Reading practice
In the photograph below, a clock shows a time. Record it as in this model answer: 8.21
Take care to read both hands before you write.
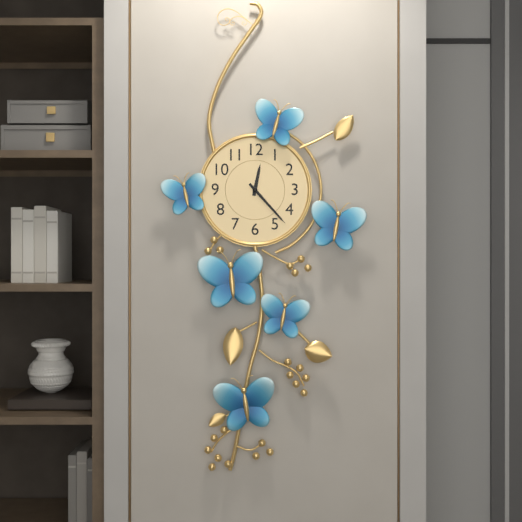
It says 12.23
